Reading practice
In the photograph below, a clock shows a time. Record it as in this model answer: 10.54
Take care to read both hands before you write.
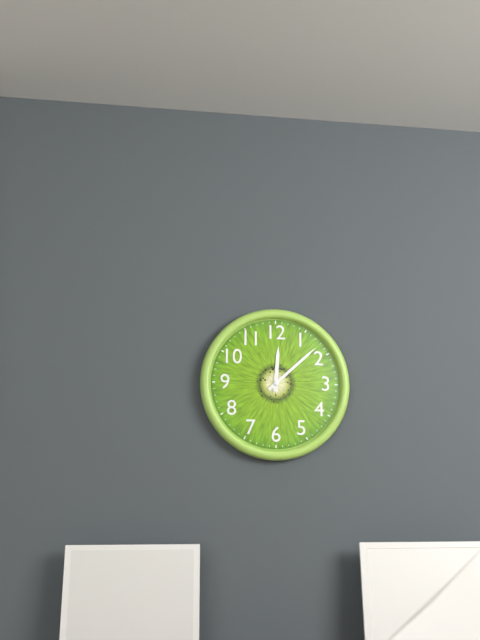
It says 12.08
